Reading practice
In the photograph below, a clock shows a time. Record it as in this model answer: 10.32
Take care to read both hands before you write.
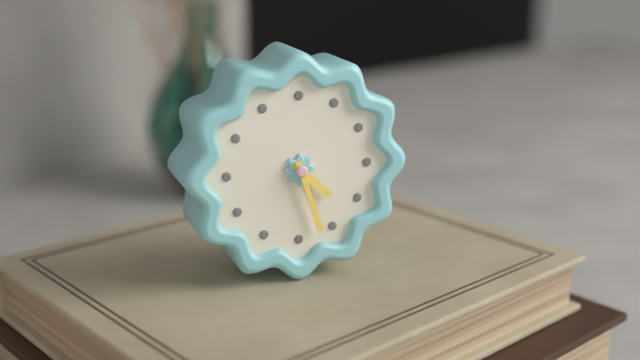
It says 4.27
